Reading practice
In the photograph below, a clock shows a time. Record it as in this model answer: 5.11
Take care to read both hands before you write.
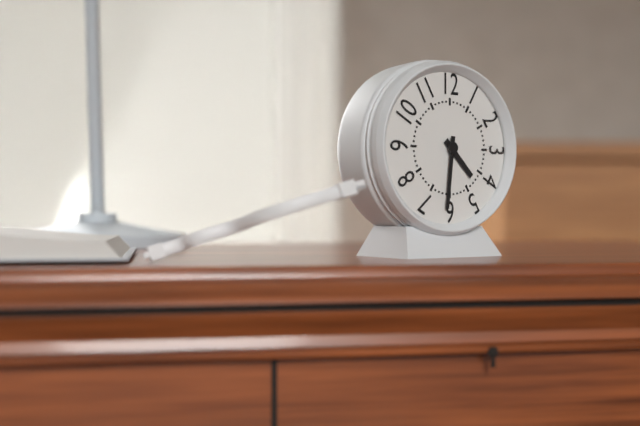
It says 4.31
